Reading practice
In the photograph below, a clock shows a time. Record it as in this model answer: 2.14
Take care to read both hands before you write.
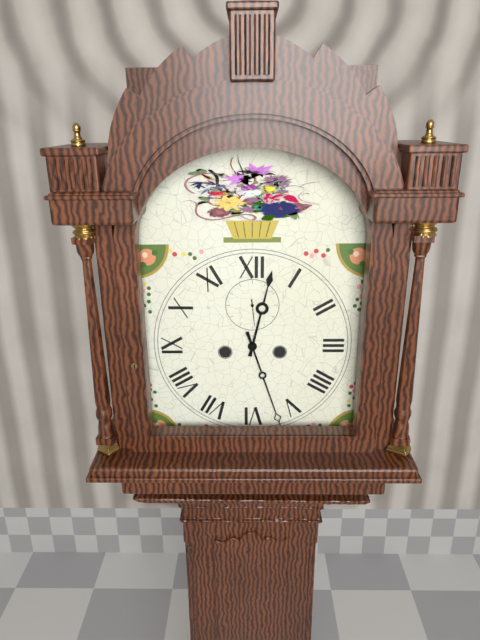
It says 12.27
